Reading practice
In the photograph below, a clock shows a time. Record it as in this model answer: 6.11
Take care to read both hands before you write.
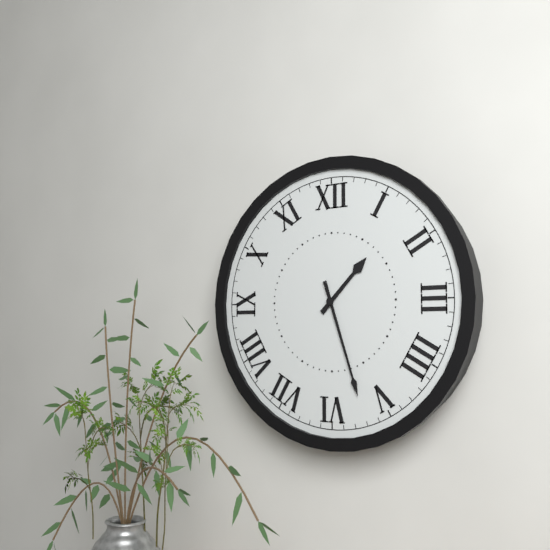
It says 1.27
